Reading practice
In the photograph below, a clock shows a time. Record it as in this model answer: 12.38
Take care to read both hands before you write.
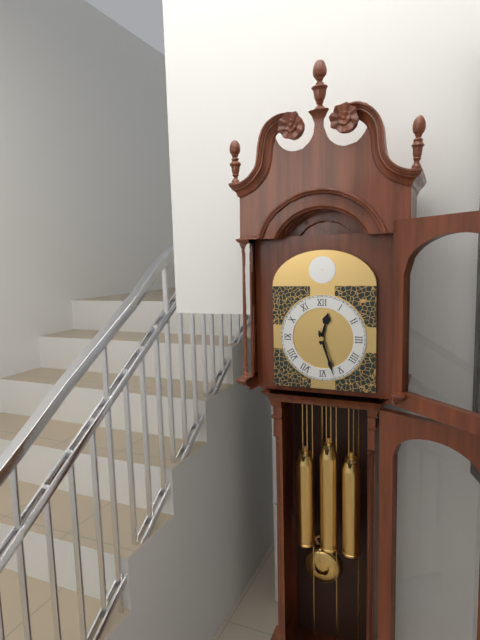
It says 12.27
